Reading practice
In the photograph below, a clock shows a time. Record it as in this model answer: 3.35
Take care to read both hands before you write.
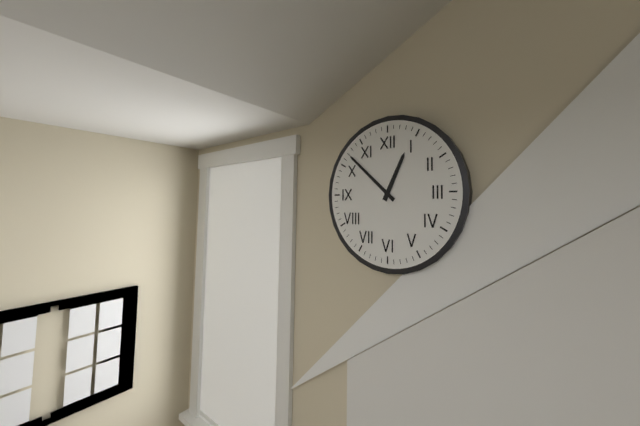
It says 12.52
